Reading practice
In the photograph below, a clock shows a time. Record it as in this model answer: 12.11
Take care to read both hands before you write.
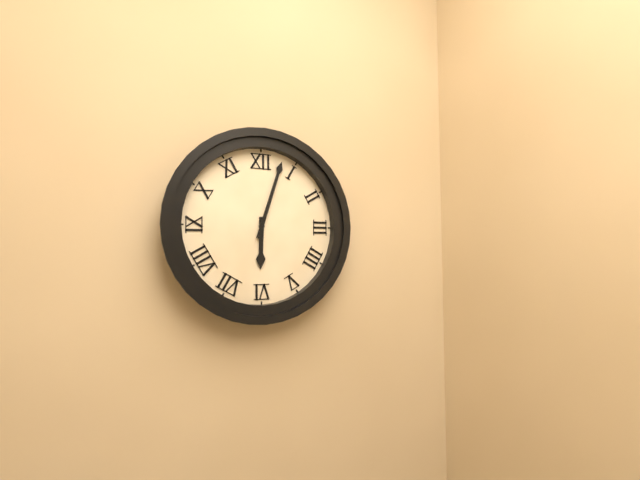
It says 6.03
